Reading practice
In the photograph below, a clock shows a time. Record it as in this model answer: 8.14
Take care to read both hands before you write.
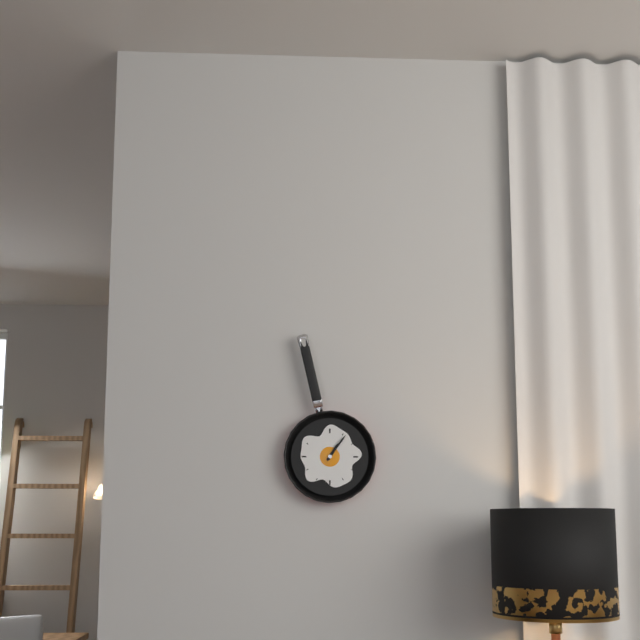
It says 1.06
